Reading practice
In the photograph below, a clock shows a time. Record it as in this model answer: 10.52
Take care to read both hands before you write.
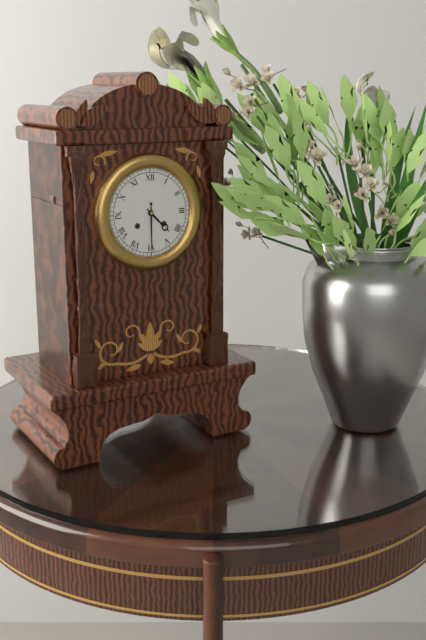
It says 4.30
